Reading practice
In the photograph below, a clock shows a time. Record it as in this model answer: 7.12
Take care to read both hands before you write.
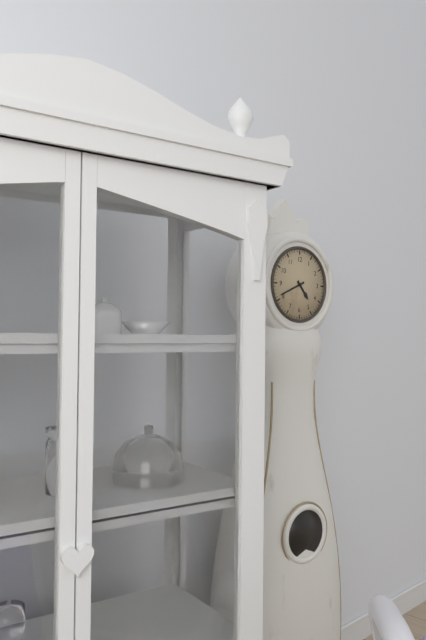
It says 4.41
